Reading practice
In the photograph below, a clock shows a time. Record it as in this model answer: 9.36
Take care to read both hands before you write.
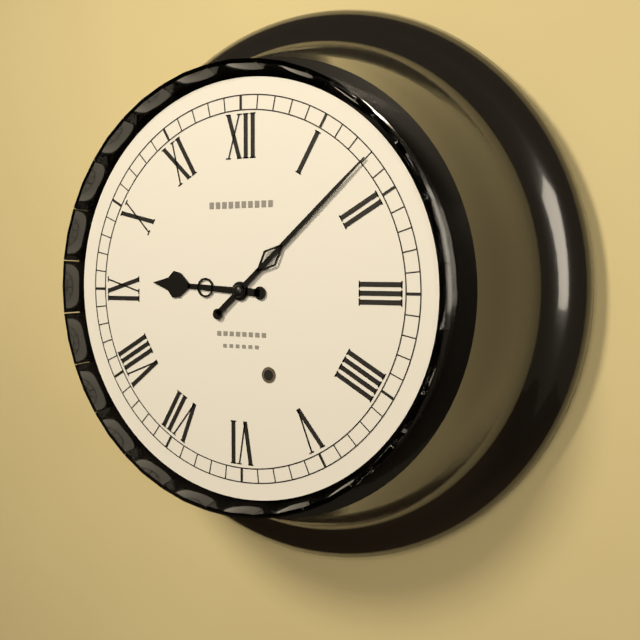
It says 9.08
